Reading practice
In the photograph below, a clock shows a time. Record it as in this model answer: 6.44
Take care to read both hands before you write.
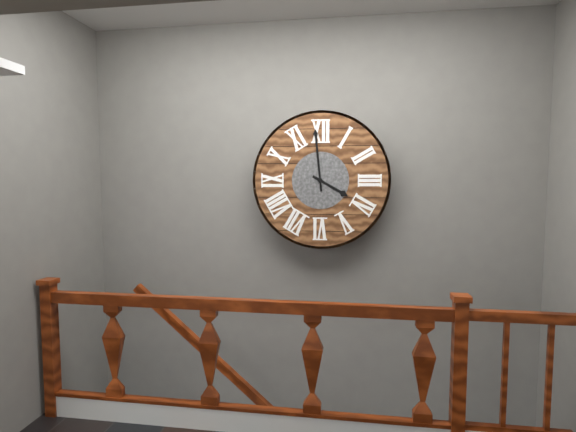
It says 3.59
